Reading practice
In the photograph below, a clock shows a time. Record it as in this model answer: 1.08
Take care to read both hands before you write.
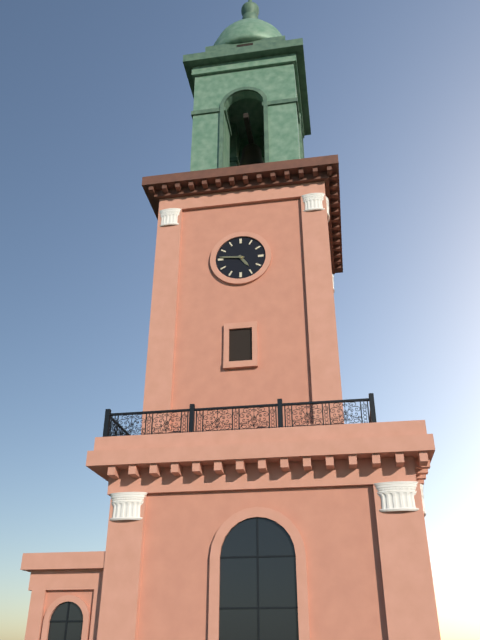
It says 4.46
